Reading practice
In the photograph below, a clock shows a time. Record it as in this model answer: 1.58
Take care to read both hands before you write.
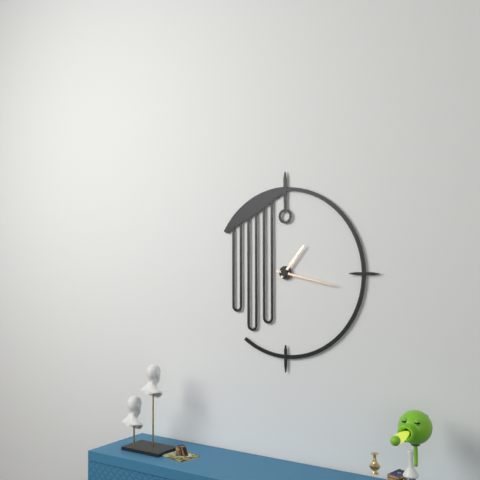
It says 1.17
